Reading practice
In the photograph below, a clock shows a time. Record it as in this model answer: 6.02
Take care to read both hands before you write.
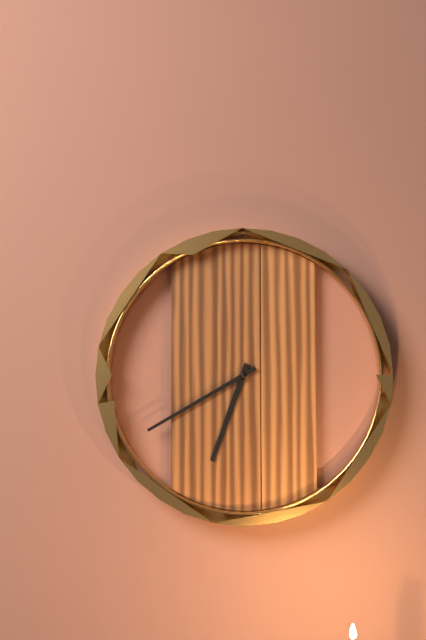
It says 6.40
